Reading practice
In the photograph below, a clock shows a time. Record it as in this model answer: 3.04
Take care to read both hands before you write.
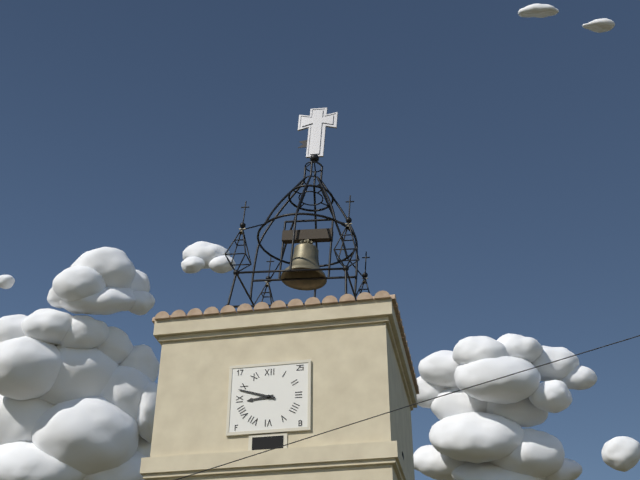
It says 8.48
